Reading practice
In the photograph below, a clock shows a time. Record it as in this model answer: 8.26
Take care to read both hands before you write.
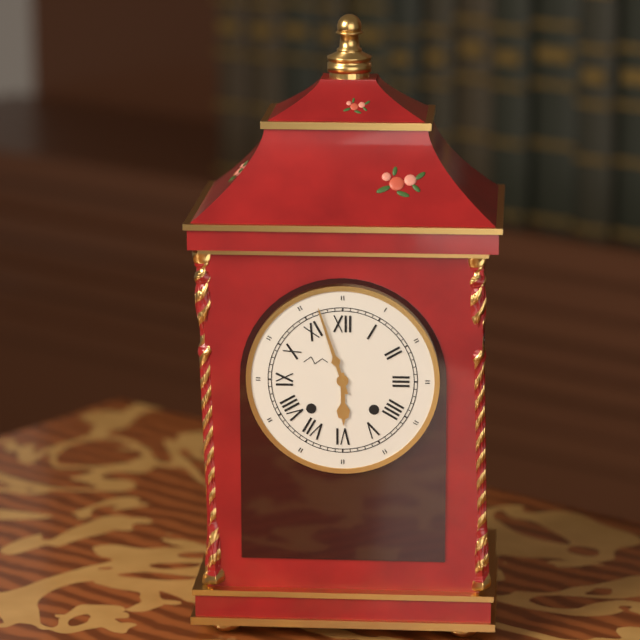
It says 5.57
